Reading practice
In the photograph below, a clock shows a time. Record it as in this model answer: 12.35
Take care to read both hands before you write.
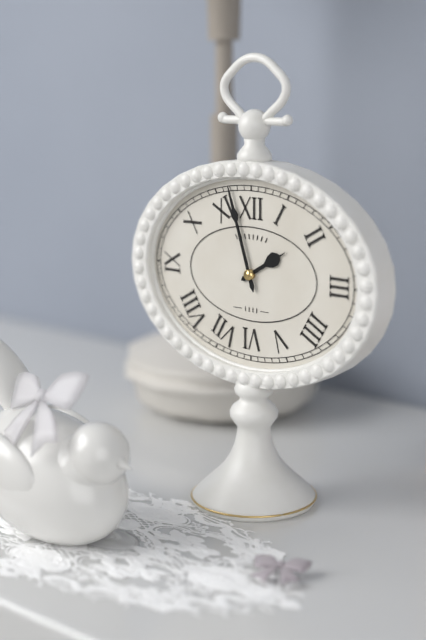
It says 1.57
